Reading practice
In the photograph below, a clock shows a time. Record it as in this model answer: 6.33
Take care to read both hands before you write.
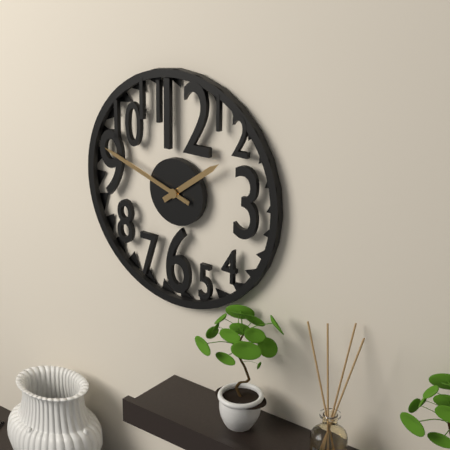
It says 1.48
